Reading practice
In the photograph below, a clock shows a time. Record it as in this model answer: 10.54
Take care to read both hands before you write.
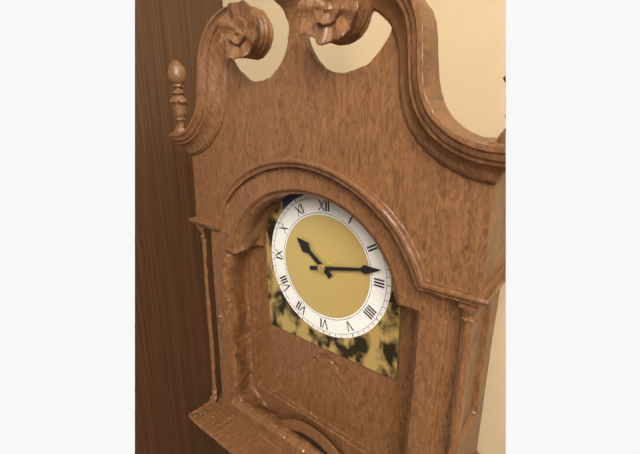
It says 10.13
